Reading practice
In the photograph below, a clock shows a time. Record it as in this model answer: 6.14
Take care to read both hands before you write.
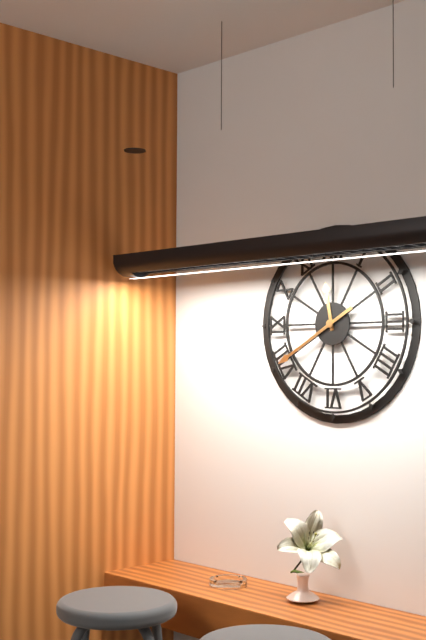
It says 11.40
